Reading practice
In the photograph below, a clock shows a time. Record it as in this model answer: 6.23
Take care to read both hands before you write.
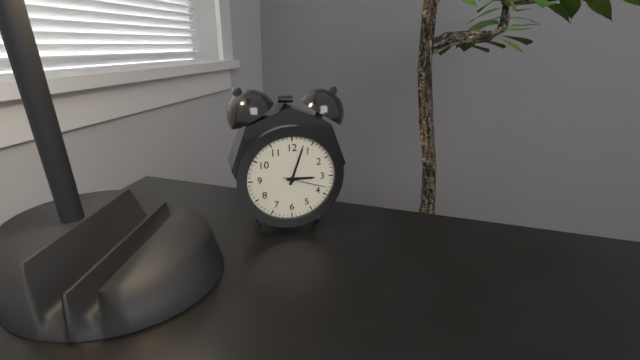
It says 3.03
